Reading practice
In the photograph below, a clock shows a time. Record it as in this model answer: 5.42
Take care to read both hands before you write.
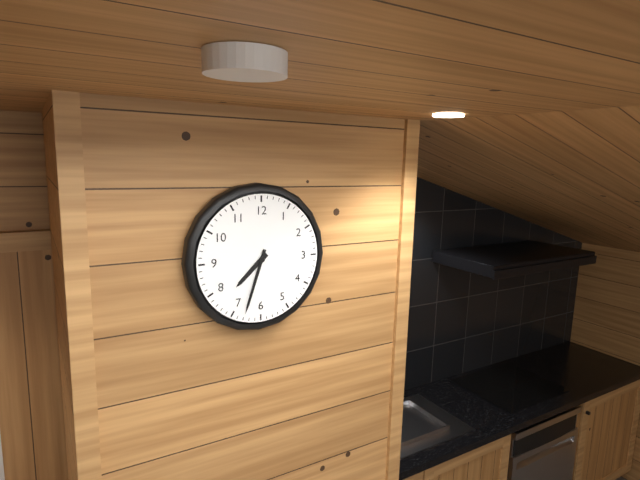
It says 7.33
